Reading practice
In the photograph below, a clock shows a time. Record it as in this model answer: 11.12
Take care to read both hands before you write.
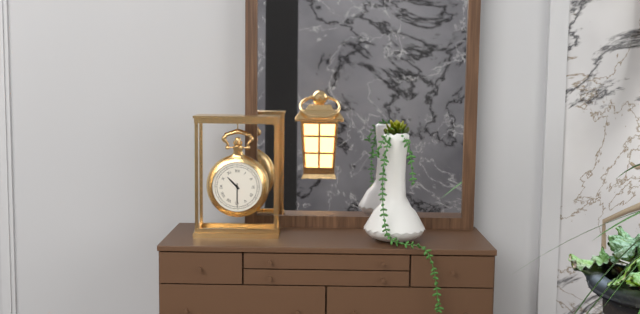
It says 10.30
